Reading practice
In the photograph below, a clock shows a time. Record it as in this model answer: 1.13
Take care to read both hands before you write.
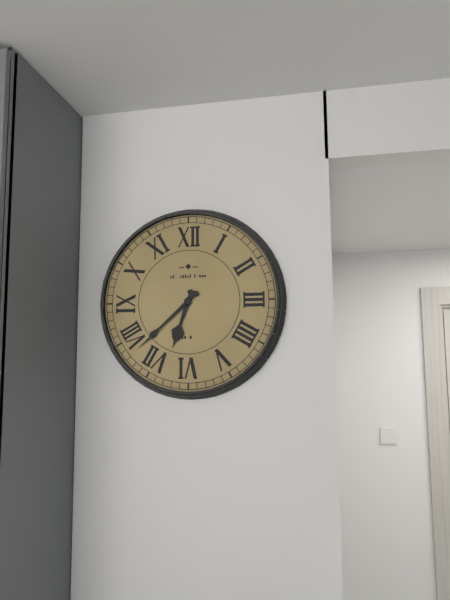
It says 6.38
